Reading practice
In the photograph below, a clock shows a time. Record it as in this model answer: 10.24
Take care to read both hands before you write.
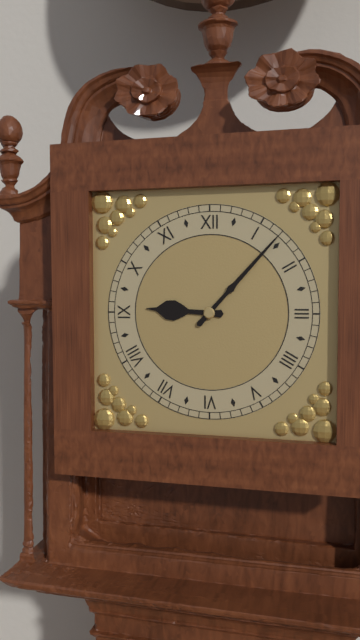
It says 9.07
